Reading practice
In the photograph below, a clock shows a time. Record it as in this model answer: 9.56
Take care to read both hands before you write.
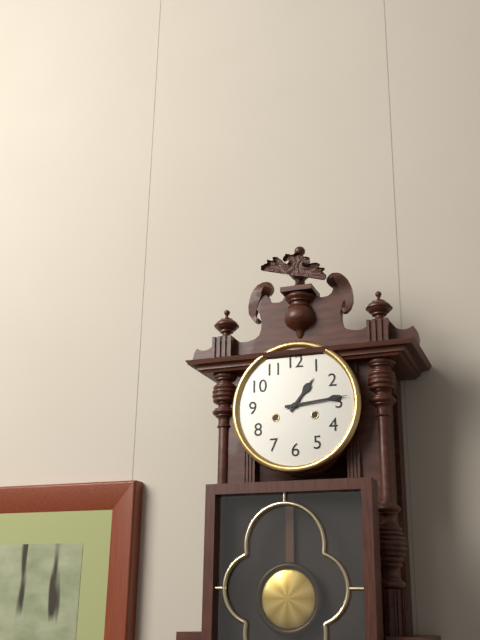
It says 1.14
